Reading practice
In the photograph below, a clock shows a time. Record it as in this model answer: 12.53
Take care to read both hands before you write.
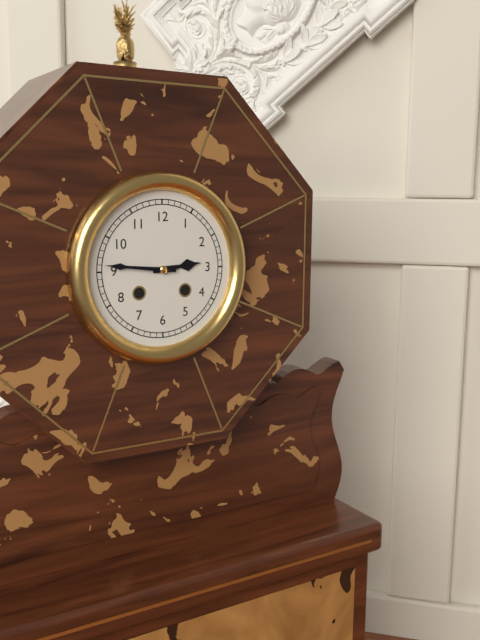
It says 2.46
